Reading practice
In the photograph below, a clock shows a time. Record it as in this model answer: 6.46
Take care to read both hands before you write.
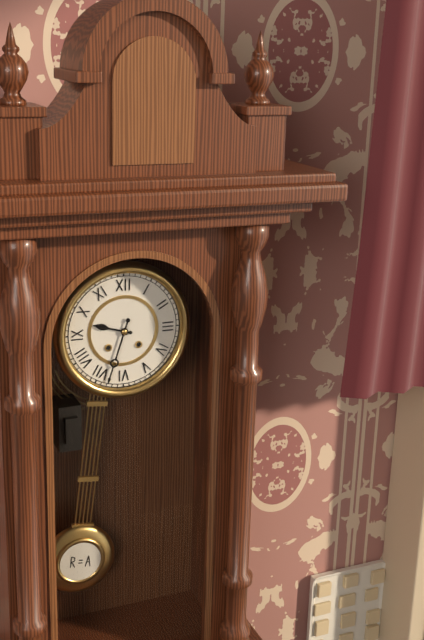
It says 9.33
